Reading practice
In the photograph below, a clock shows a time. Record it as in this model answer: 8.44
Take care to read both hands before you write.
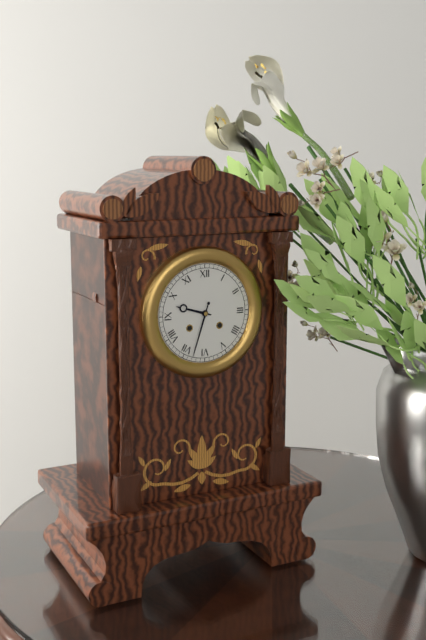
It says 9.33
